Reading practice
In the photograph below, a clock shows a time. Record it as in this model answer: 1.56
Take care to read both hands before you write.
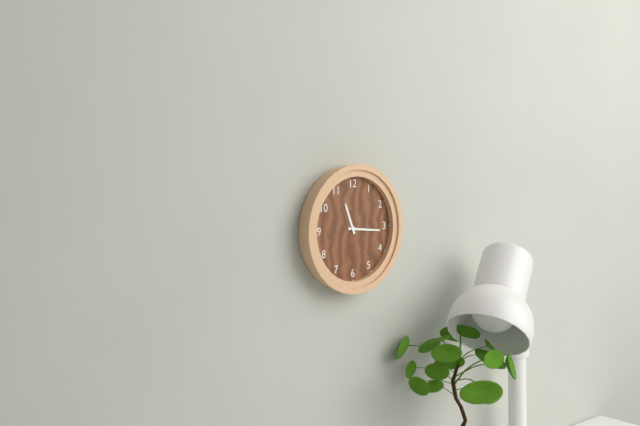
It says 11.16
